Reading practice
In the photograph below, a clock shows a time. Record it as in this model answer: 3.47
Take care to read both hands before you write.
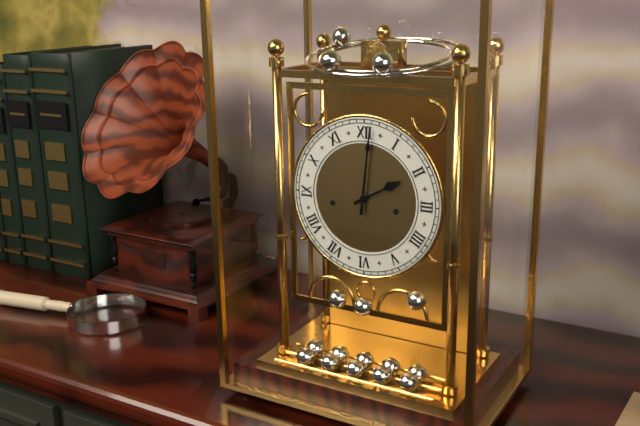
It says 2.01
